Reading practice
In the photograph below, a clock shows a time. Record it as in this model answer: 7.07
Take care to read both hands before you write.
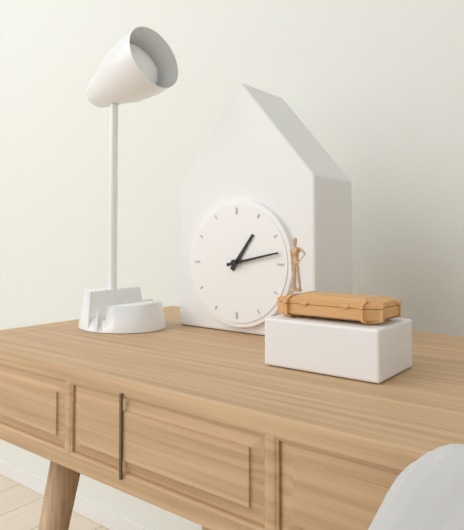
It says 1.13
